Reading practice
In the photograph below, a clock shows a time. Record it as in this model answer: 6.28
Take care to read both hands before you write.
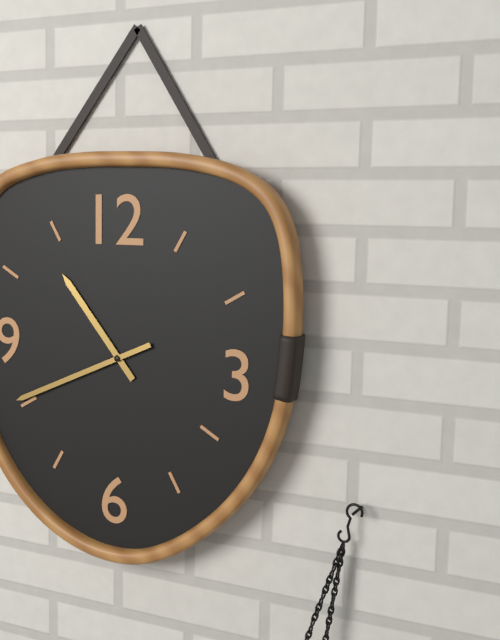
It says 10.41
